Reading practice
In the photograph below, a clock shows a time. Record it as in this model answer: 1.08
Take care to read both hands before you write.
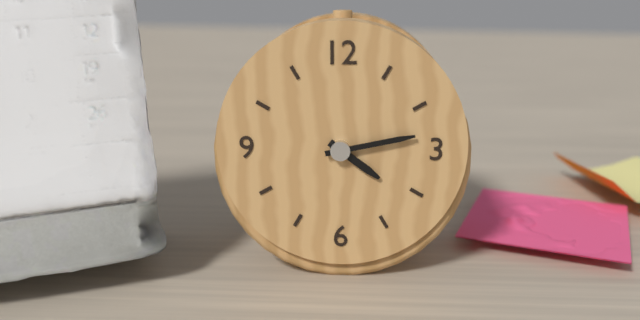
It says 4.13
